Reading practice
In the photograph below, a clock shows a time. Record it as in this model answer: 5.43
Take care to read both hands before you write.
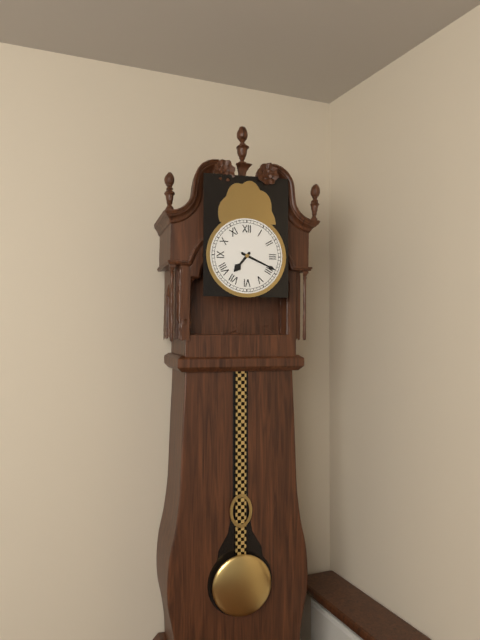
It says 7.19
